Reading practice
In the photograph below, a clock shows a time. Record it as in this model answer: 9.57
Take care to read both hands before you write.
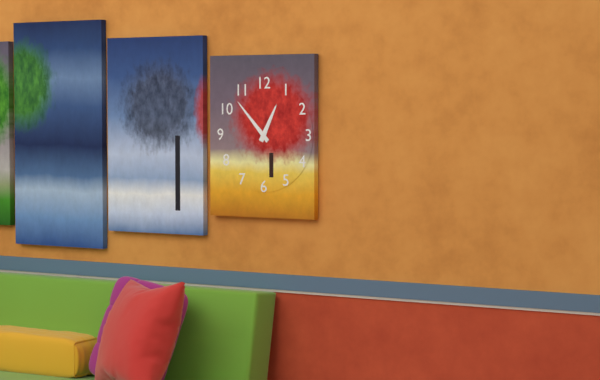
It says 12.53
